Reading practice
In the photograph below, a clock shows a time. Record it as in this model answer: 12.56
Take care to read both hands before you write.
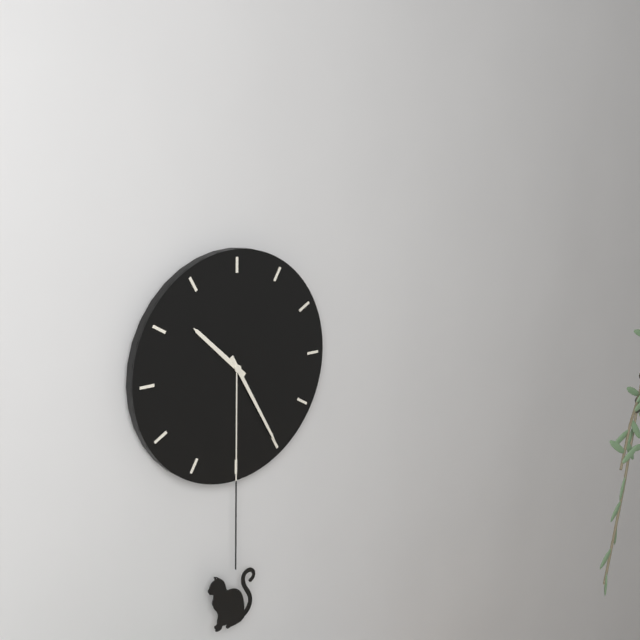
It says 10.25
